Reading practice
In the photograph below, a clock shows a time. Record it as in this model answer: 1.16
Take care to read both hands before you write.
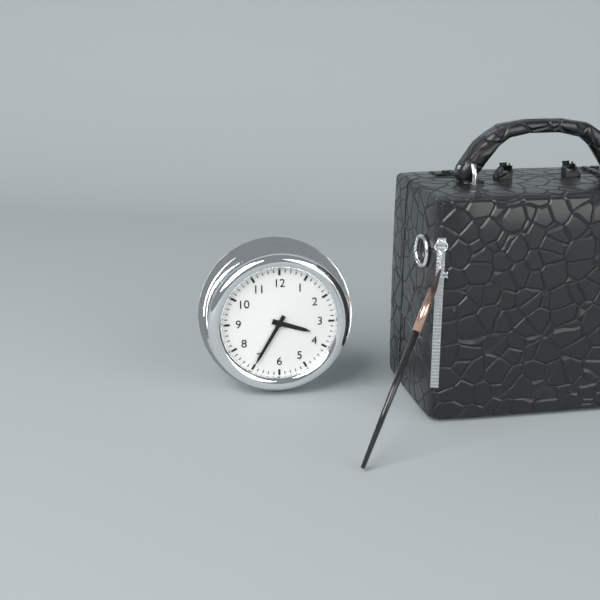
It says 3.35
